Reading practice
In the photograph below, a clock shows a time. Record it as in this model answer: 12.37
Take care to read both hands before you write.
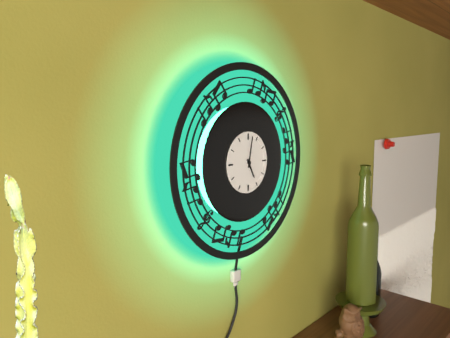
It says 5.02
